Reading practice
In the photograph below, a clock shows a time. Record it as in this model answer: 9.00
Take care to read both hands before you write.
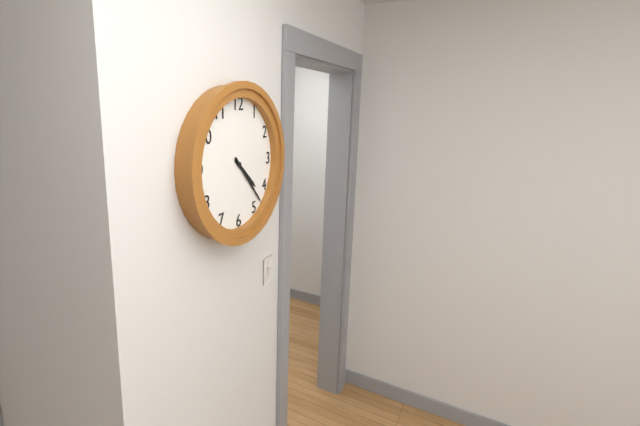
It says 4.23
